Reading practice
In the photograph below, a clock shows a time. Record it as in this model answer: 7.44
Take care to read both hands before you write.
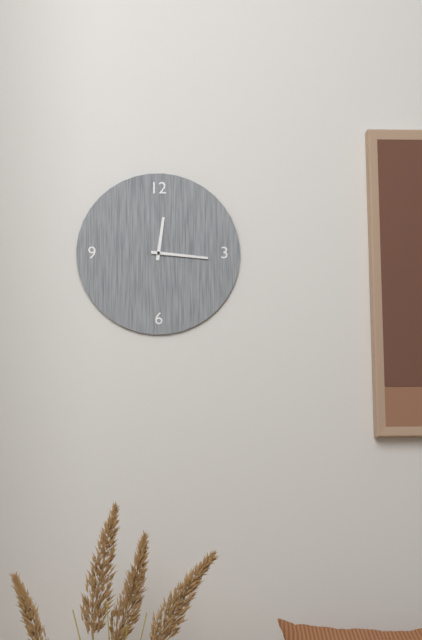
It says 12.16
